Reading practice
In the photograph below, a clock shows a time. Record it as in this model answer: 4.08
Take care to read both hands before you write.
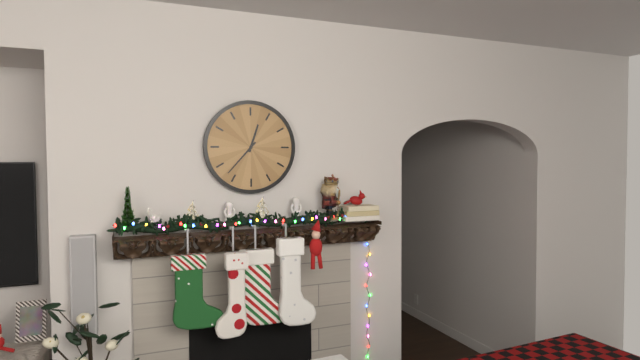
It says 12.37
